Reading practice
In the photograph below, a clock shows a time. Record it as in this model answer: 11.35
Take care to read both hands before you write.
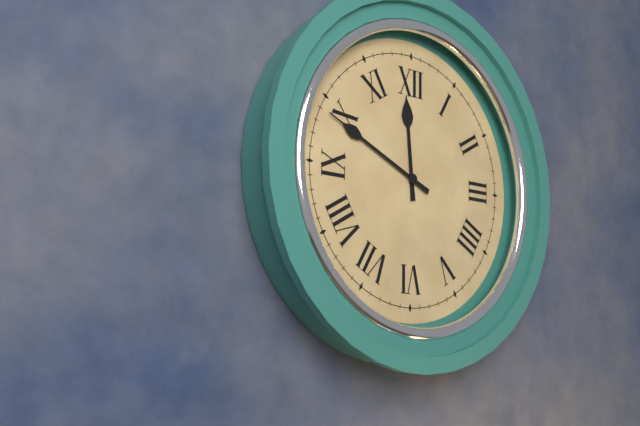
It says 11.49
